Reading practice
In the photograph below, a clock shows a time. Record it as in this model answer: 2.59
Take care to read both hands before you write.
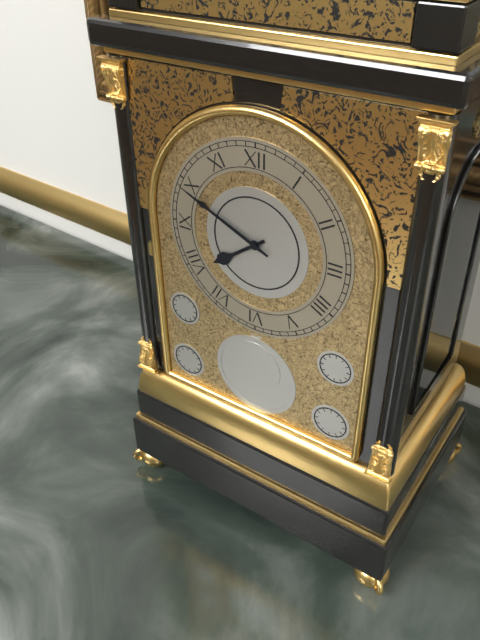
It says 7.49
